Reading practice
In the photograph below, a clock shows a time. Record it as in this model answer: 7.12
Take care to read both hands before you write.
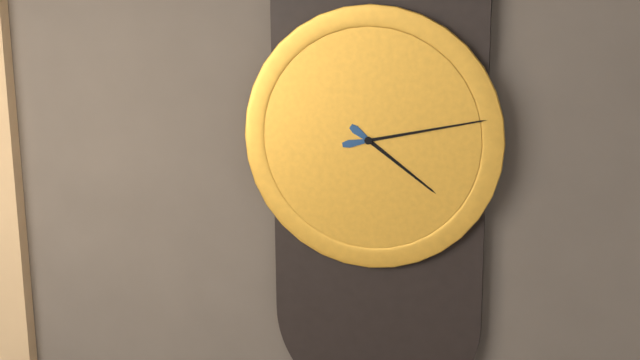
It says 4.13
